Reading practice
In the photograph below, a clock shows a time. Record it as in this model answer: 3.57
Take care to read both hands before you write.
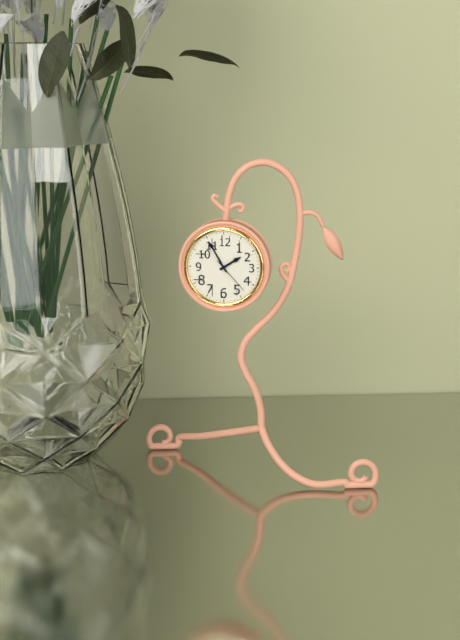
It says 1.55
